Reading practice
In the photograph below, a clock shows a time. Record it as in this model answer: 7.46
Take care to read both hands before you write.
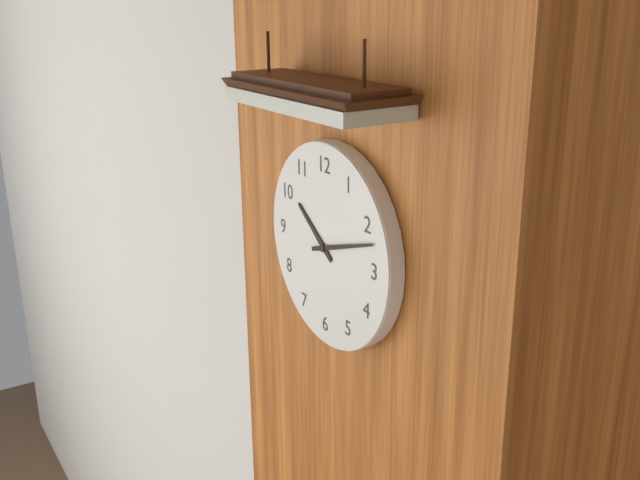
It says 10.12
